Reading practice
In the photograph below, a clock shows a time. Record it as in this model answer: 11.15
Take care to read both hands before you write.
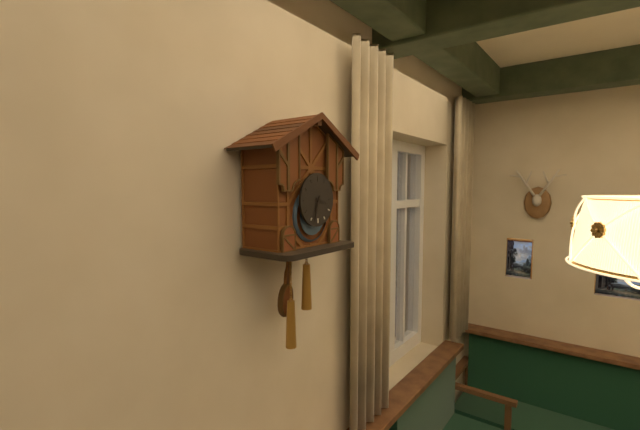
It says 3.33
